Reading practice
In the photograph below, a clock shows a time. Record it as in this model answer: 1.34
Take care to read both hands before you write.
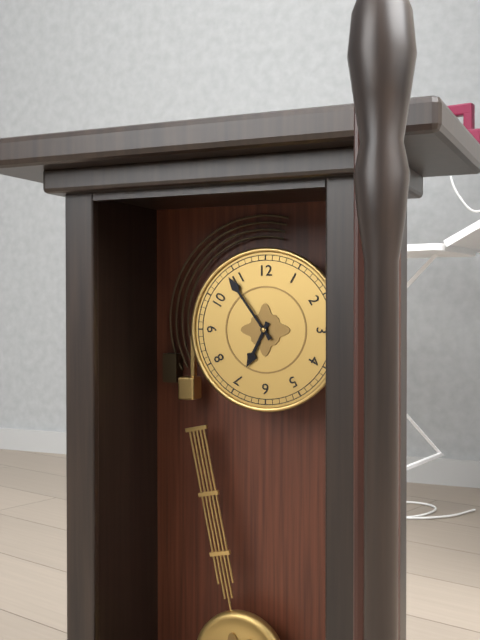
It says 6.54
